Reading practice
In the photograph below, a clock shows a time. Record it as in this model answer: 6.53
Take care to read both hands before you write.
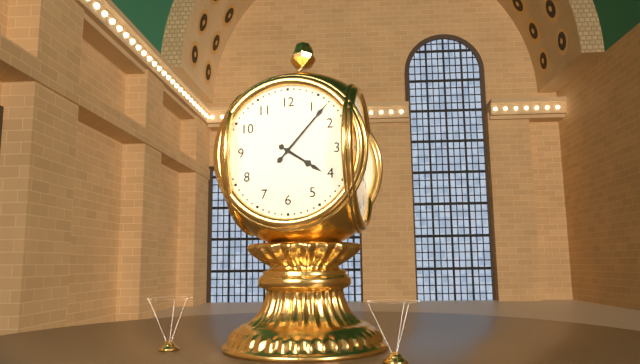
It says 4.07
